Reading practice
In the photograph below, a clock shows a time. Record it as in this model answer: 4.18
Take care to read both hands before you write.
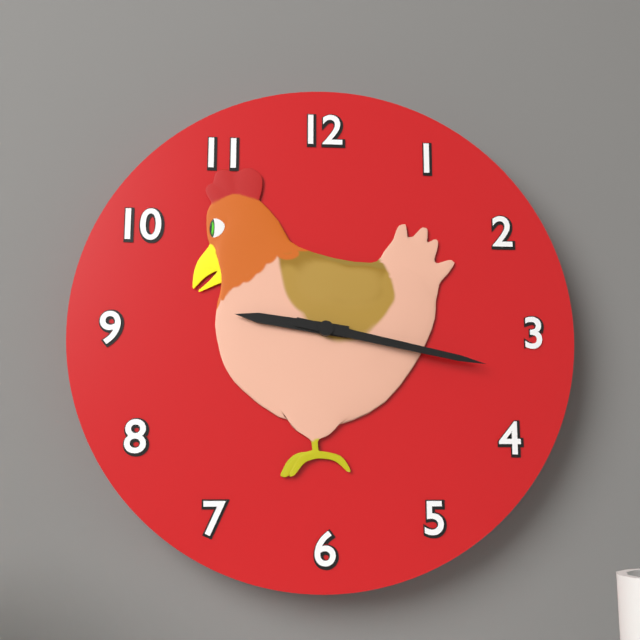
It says 9.17
